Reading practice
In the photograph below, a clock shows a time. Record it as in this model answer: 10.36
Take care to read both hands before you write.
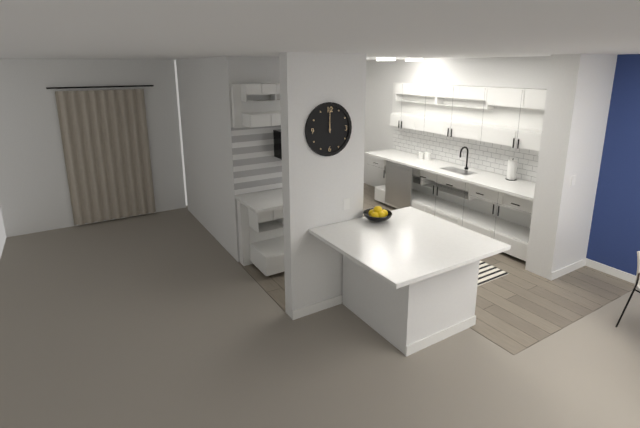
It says 12.00
